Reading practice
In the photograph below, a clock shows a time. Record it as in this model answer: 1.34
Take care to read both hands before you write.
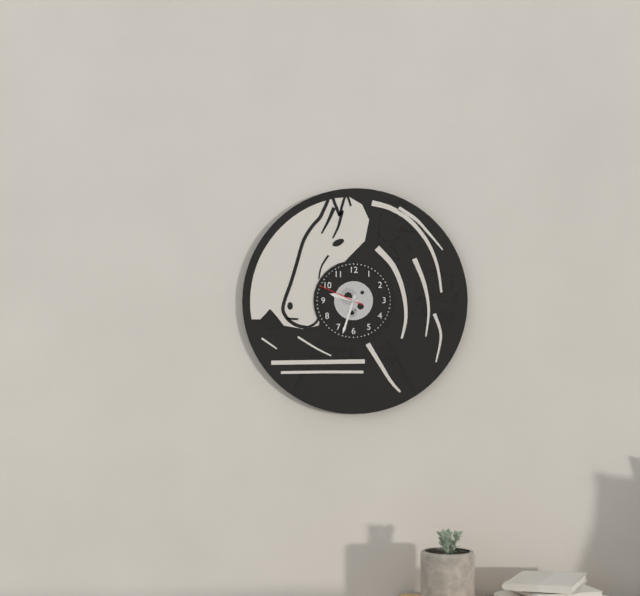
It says 9.33
